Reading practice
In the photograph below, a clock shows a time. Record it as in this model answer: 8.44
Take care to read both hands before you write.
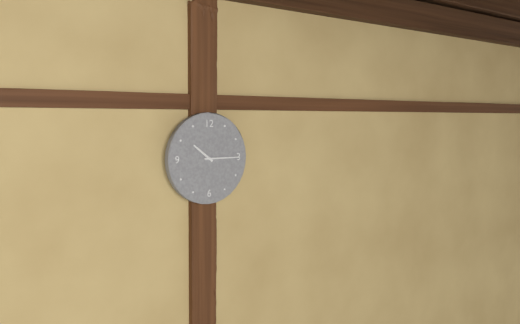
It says 10.15
